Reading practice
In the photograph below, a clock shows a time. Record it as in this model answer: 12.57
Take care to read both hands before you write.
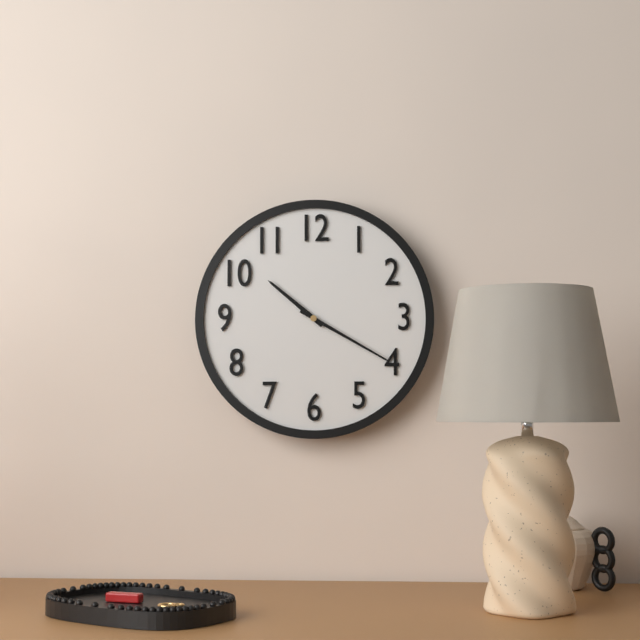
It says 10.20
